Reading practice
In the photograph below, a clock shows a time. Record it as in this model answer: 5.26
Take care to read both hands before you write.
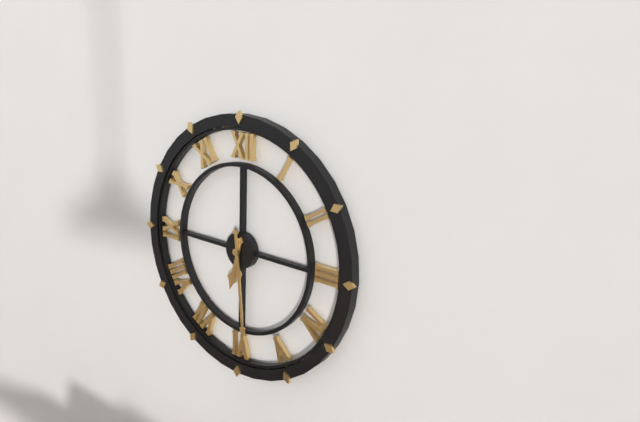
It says 6.29
